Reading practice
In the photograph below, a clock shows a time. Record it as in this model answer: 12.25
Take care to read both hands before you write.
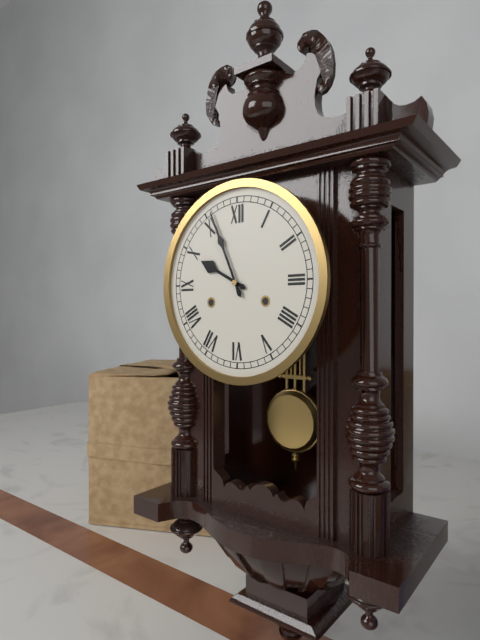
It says 9.56
